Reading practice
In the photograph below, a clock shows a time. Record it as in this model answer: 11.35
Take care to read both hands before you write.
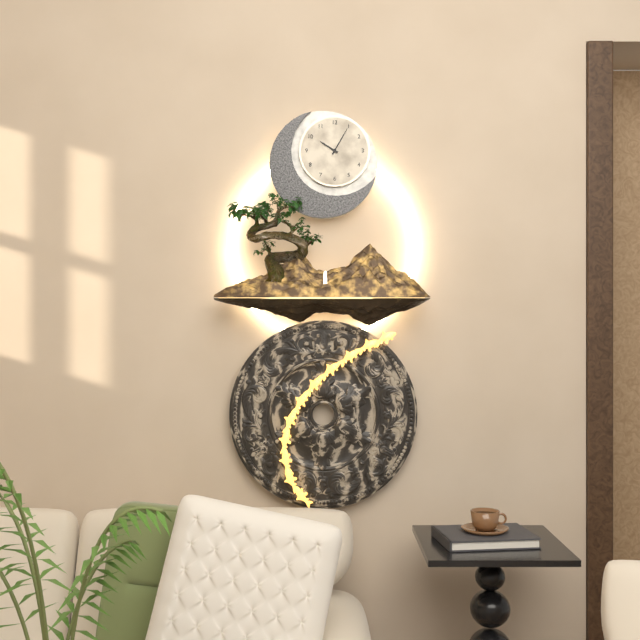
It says 10.05
